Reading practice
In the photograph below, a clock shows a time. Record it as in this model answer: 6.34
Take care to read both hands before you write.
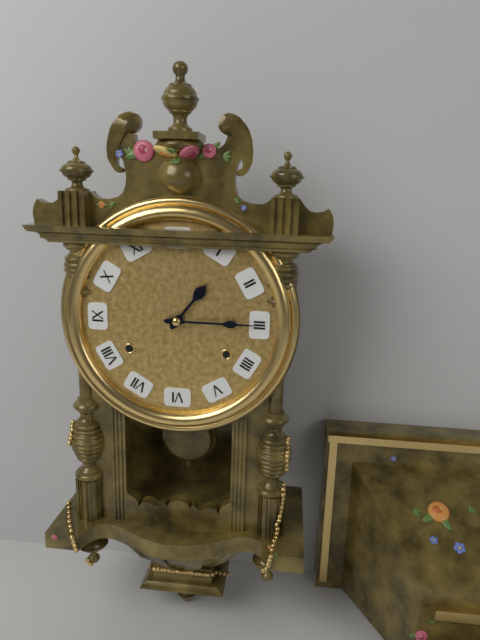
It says 1.15
